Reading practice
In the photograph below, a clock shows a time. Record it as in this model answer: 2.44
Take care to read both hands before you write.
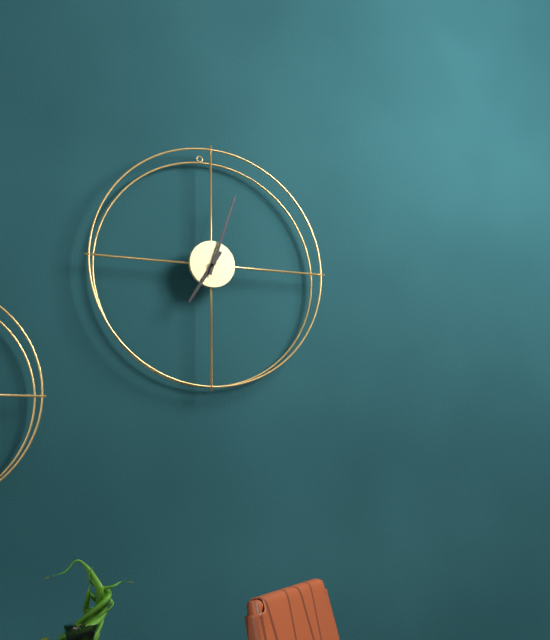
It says 7.03
